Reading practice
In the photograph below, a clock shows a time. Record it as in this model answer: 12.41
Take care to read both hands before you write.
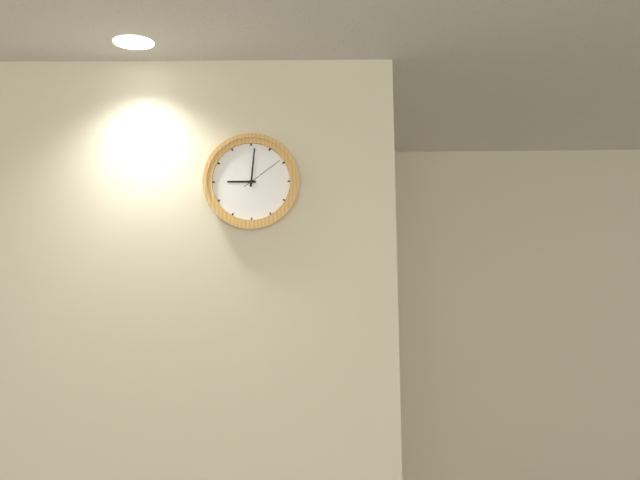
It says 9.01
